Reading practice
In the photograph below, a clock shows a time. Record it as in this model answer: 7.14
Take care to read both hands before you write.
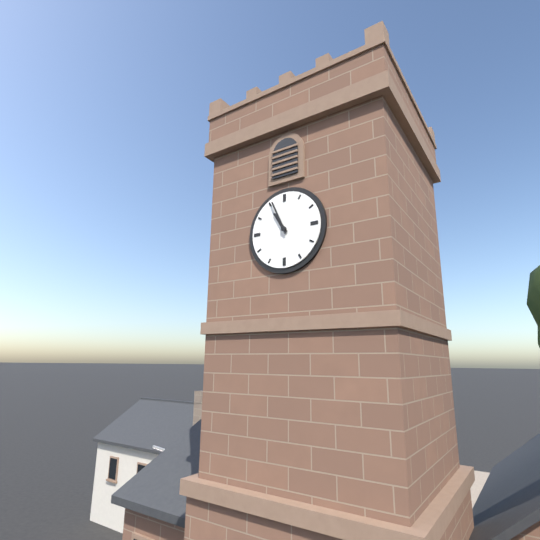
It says 10.56
